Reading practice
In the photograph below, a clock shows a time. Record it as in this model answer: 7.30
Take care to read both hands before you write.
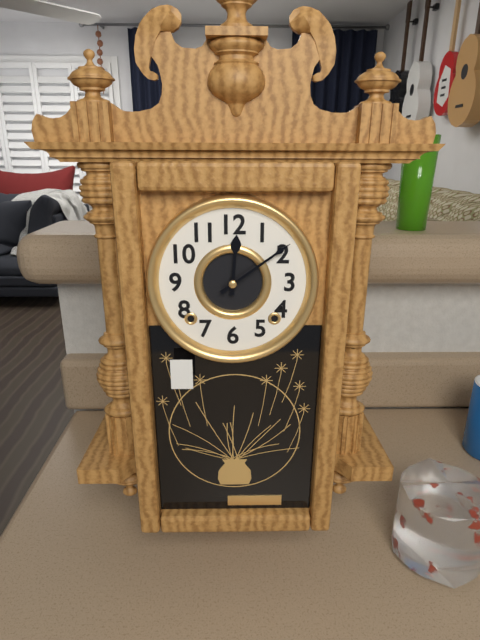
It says 12.09
